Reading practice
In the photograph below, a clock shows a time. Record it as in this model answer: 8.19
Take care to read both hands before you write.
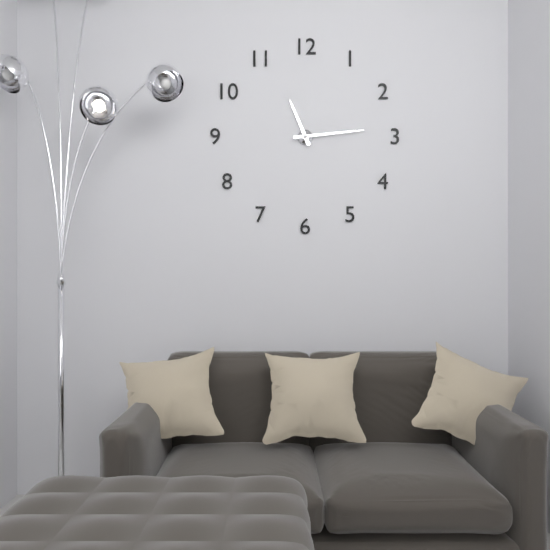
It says 11.14
